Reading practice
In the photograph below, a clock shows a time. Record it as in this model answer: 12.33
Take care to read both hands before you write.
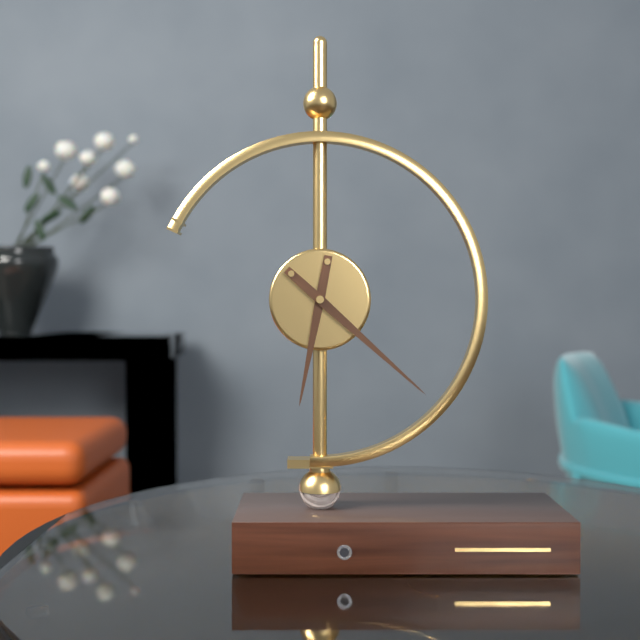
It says 6.22
